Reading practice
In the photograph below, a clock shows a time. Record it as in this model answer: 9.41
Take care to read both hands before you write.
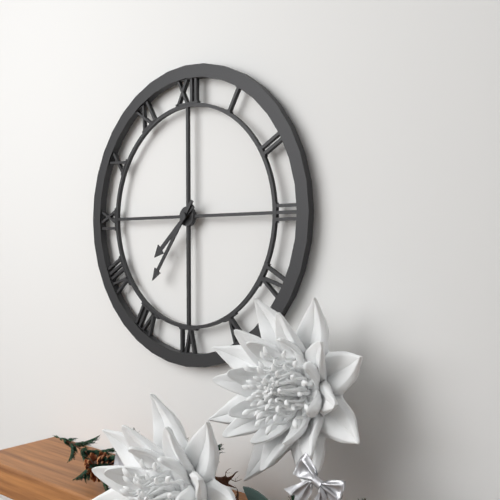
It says 7.36
